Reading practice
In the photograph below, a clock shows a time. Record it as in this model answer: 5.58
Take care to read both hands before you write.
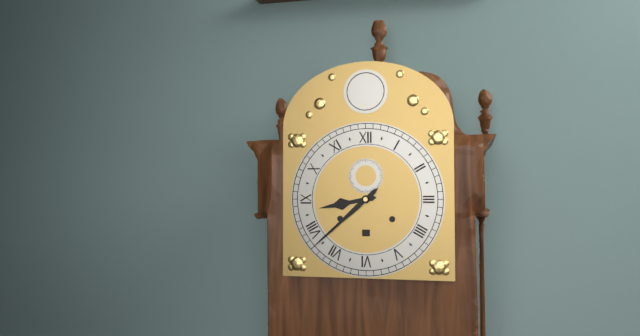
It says 8.38
